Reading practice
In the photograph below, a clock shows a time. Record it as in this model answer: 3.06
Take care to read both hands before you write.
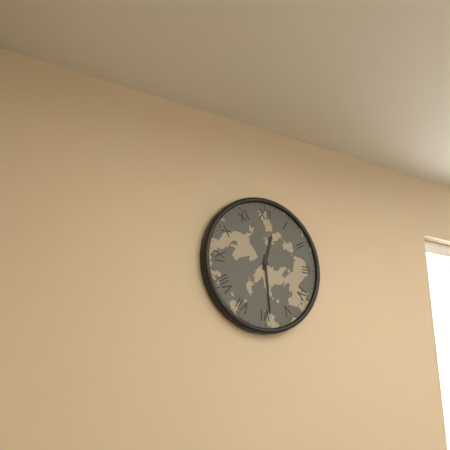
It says 12.29
